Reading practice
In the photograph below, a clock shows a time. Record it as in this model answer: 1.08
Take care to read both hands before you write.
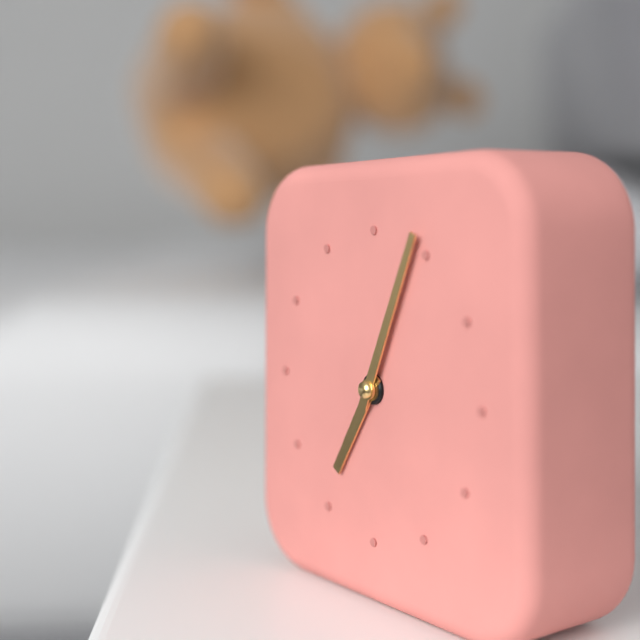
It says 7.04
